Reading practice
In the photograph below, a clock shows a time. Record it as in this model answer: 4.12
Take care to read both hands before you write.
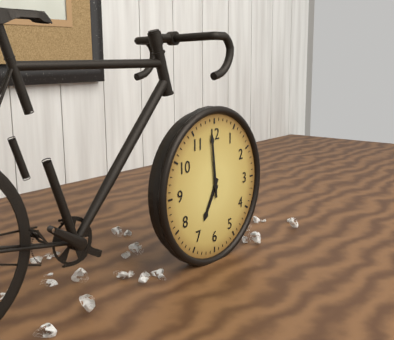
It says 6.59
